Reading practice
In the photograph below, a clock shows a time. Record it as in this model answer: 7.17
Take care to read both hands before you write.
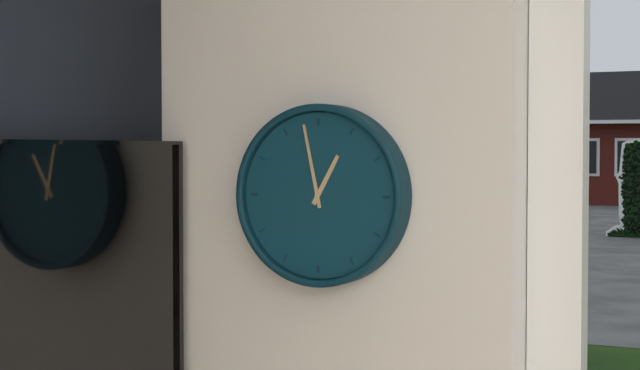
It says 12.58
